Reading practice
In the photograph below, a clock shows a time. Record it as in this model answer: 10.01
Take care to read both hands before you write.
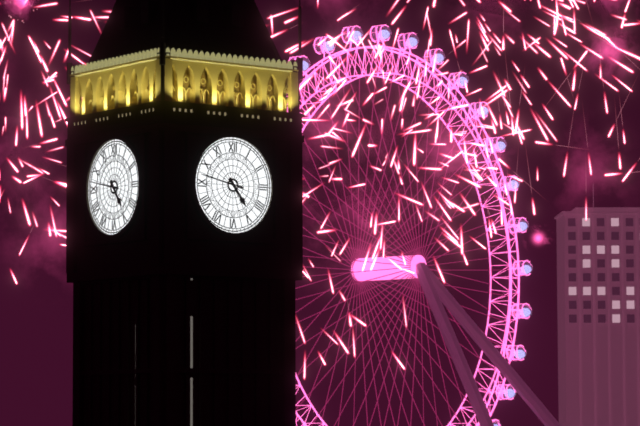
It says 4.47
